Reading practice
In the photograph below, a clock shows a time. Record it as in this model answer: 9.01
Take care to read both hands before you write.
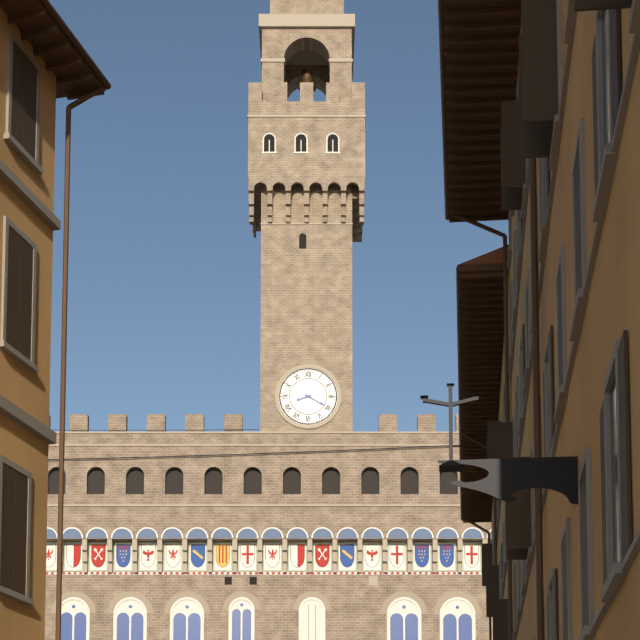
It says 8.20
